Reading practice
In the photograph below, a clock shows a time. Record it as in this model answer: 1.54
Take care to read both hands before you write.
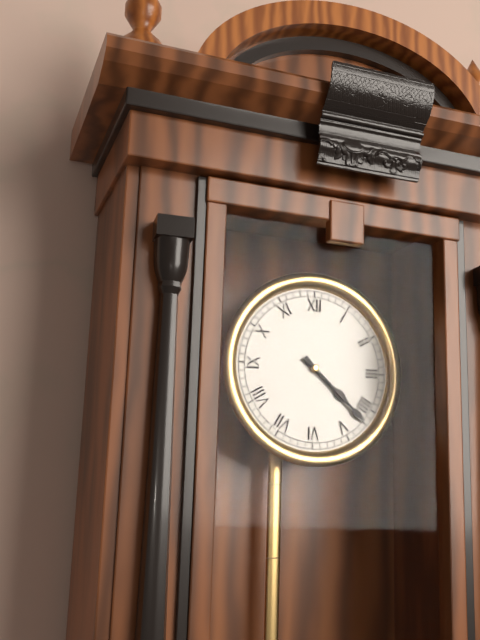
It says 4.22
